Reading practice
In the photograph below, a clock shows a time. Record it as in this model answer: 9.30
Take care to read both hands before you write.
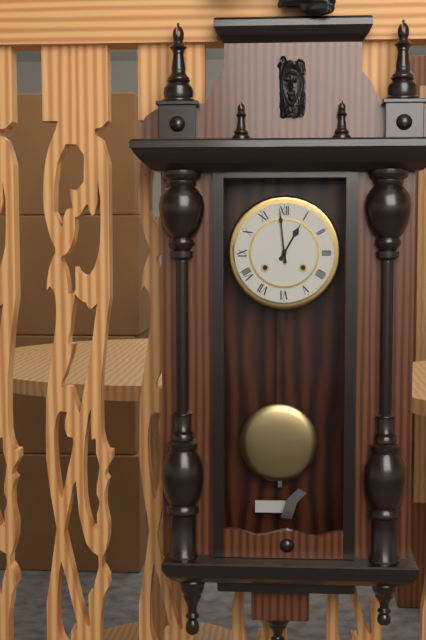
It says 12.59
